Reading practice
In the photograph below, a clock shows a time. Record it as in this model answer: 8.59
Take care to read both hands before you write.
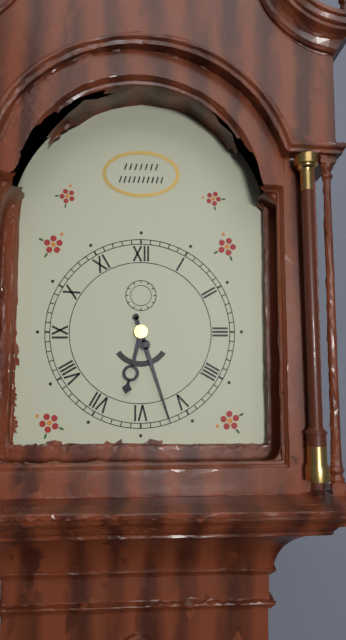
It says 6.27
